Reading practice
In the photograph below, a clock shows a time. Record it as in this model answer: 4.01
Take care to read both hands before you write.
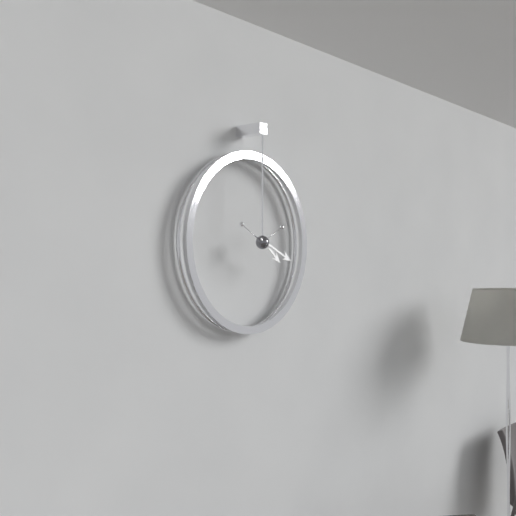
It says 4.19
